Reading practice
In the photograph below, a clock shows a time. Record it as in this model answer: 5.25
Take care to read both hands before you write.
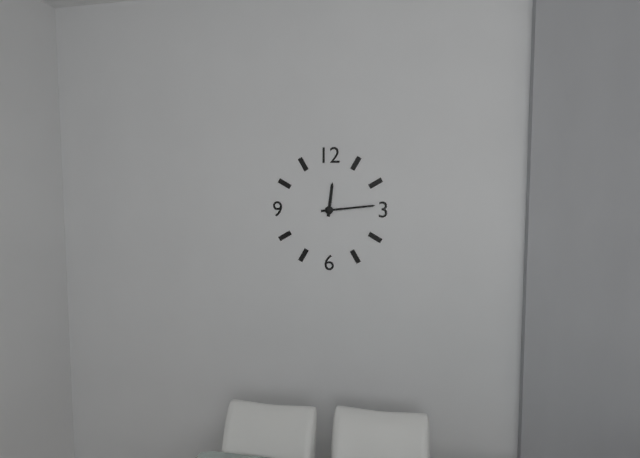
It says 12.14
